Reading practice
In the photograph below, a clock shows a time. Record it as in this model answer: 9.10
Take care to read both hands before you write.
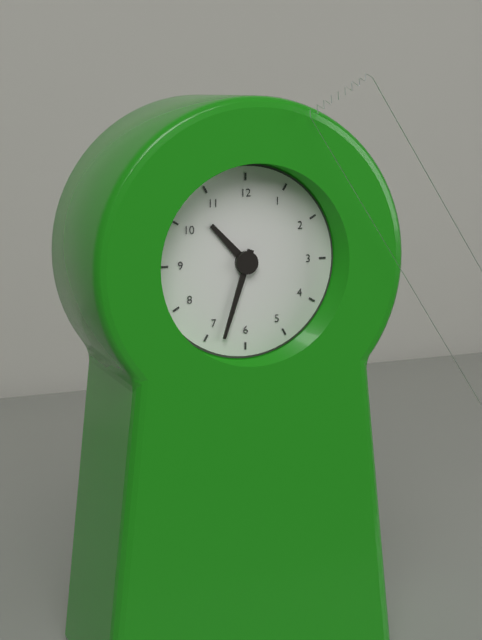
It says 10.33
